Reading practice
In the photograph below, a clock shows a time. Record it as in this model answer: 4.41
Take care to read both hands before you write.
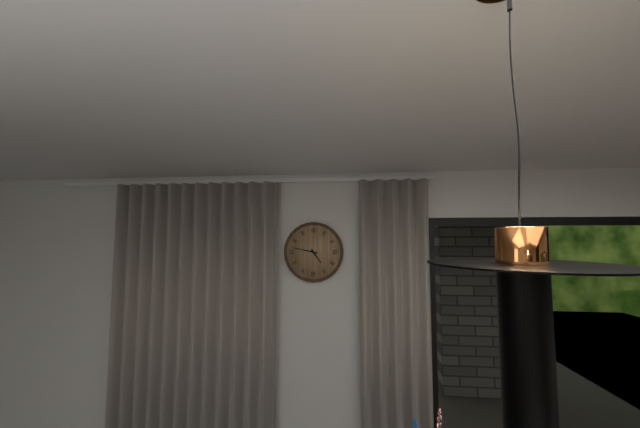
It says 4.47
